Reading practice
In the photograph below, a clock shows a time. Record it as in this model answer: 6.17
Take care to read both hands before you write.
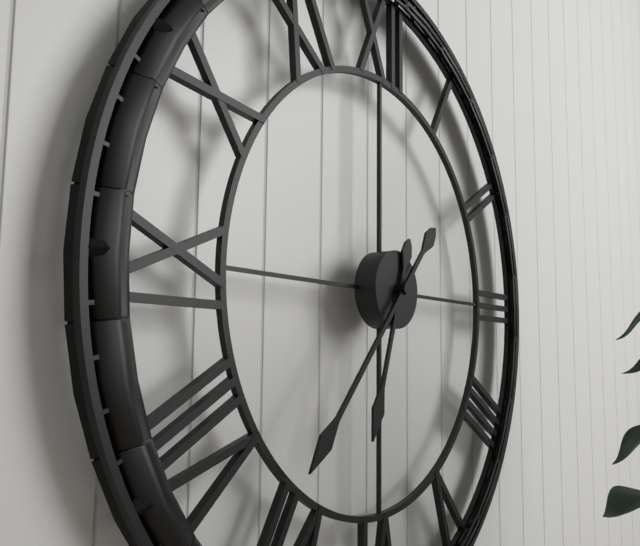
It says 6.37
